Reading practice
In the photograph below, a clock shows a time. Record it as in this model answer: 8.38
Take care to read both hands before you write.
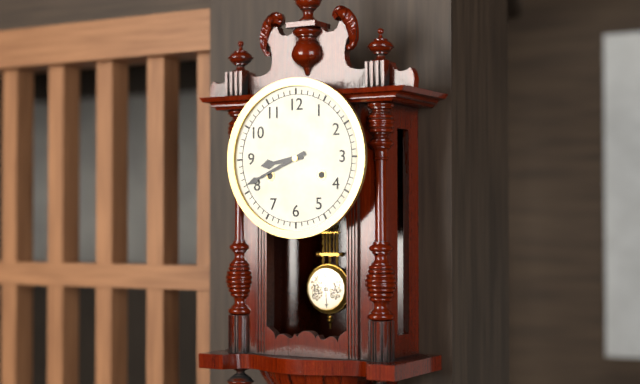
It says 8.41
